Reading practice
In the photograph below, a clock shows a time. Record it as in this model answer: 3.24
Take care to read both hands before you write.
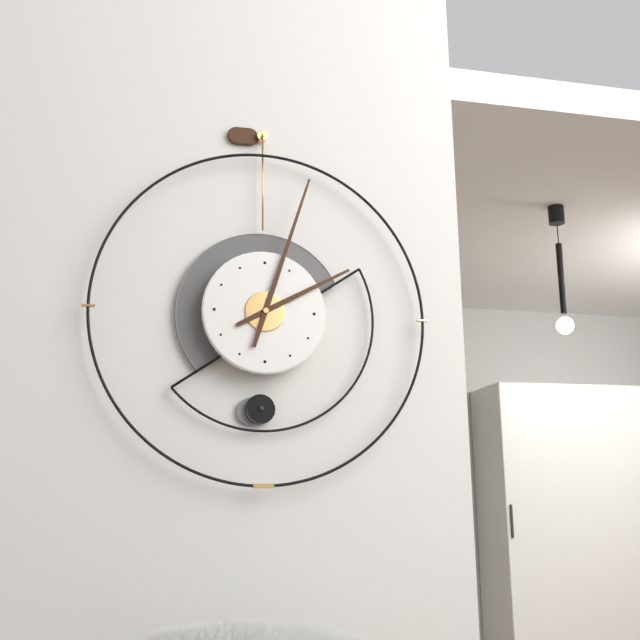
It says 2.03
